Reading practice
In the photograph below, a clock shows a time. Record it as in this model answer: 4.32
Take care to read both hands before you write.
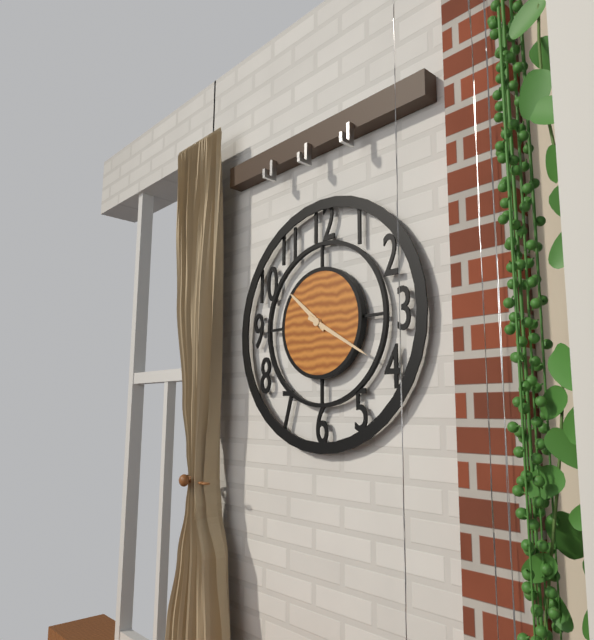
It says 10.20
